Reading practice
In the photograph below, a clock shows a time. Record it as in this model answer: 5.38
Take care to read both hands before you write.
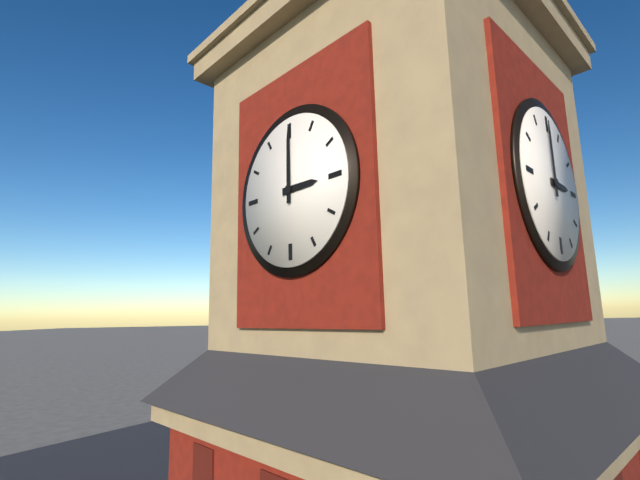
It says 3.00
